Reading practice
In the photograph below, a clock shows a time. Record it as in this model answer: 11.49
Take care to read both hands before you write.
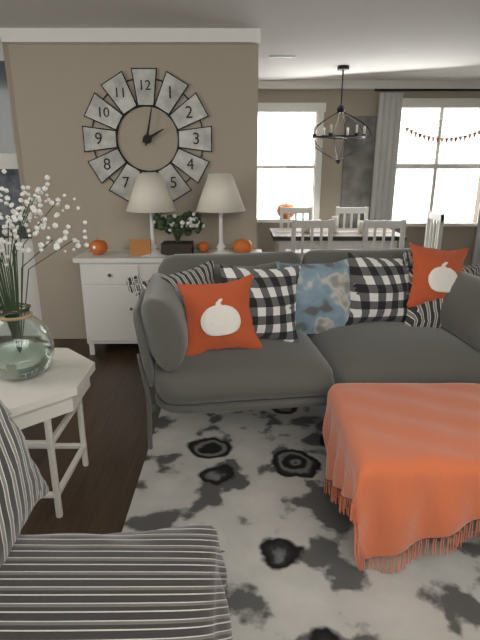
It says 2.02
